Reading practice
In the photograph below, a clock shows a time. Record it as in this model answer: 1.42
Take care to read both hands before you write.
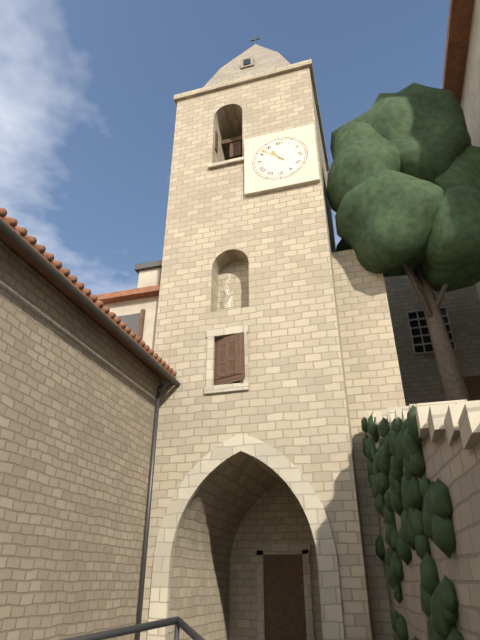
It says 10.52
